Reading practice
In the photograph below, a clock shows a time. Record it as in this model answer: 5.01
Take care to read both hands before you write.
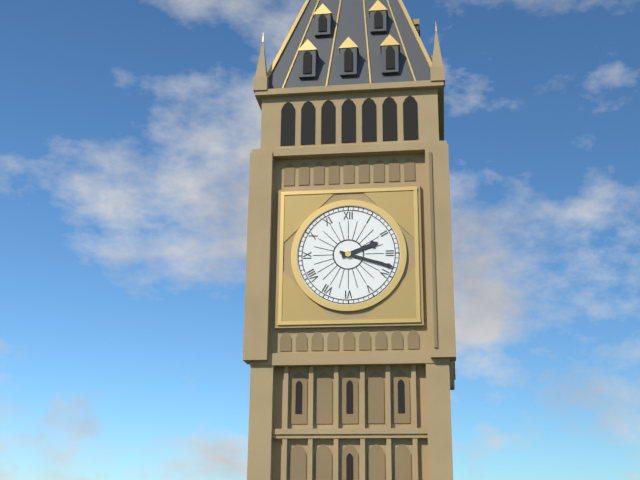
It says 2.18
